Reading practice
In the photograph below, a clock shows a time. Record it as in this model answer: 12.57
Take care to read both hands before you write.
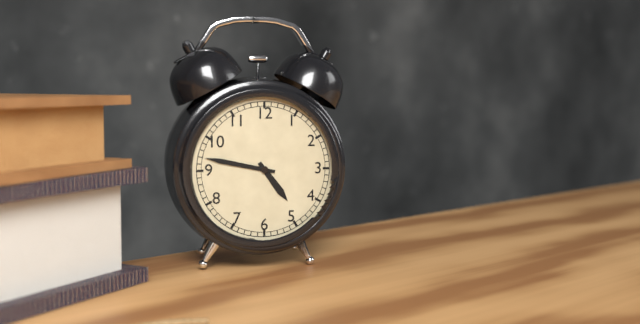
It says 4.47
